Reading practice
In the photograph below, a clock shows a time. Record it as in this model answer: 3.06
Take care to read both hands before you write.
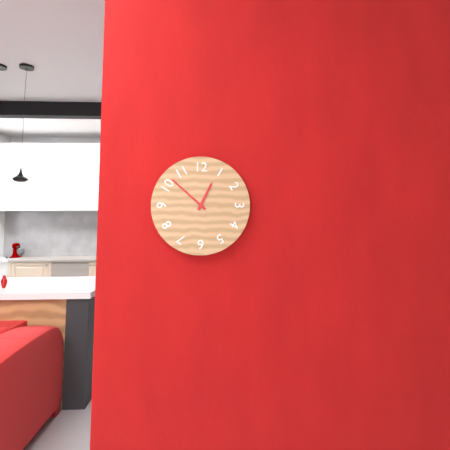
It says 12.52
